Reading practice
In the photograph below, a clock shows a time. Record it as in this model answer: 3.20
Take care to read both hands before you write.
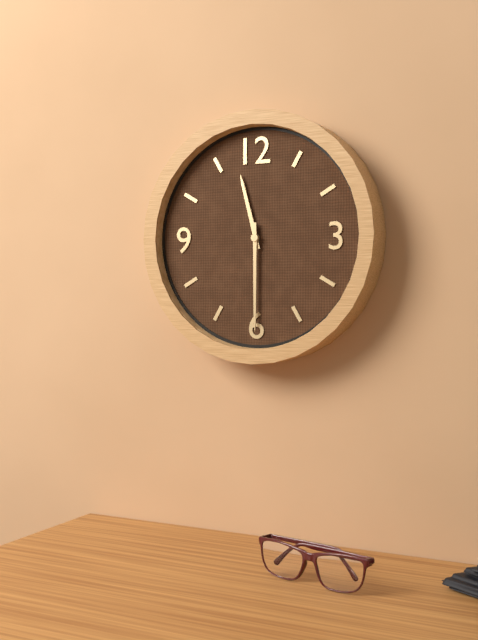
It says 11.30
